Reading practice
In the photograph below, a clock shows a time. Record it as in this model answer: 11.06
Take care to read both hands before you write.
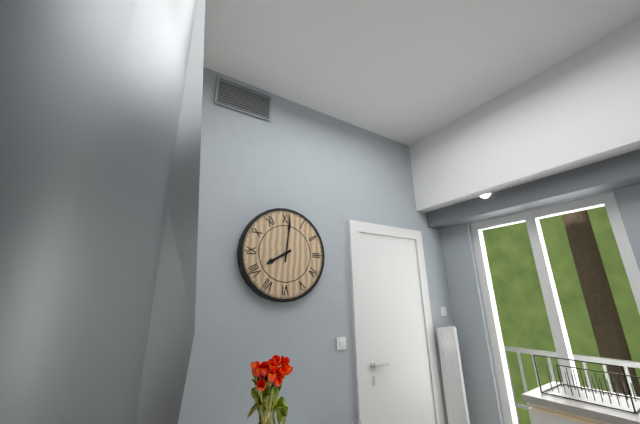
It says 8.01
